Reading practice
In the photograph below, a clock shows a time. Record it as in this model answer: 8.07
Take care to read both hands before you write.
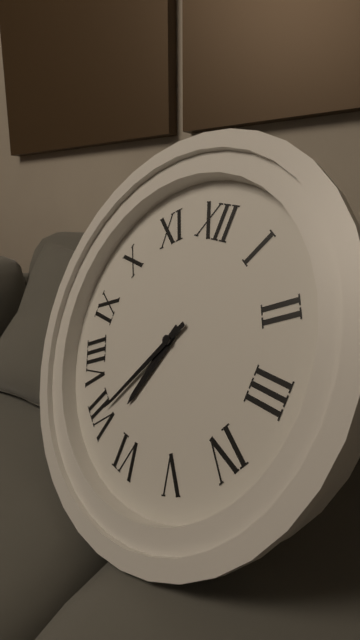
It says 6.35
